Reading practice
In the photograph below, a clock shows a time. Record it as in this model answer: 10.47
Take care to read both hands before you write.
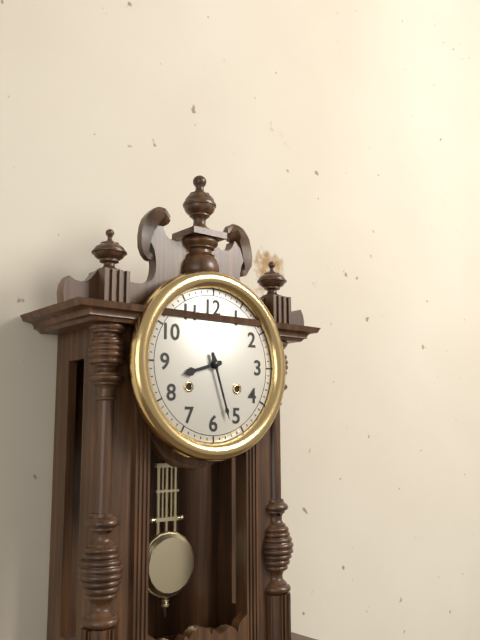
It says 8.27
